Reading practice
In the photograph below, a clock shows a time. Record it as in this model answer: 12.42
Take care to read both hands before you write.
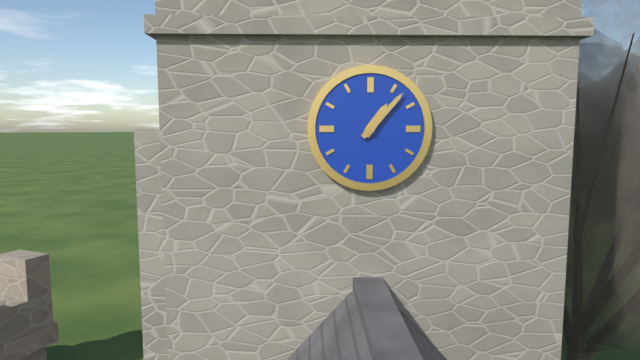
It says 1.07
